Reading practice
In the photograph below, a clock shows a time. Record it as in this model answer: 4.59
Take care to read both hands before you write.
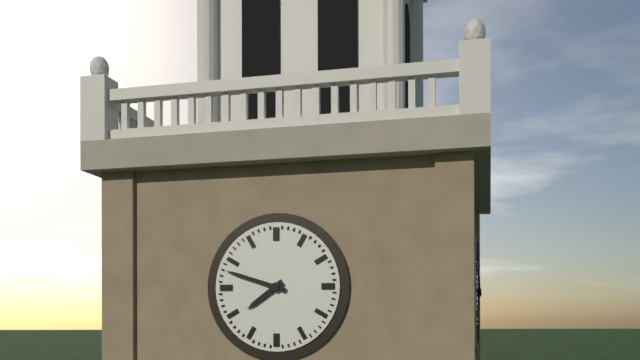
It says 7.48
